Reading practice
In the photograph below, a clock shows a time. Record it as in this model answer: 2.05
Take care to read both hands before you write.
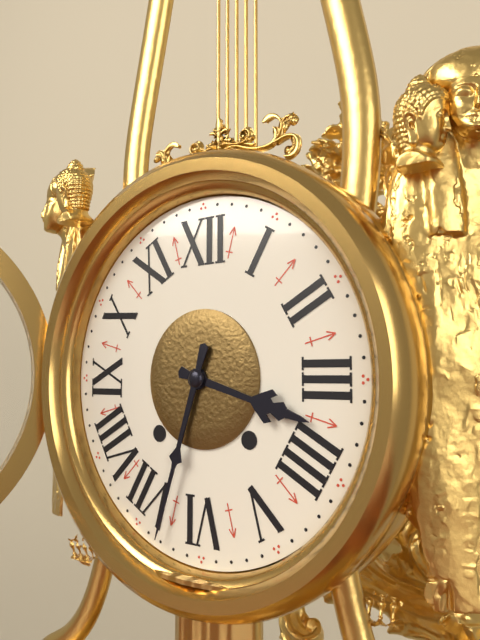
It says 3.33
